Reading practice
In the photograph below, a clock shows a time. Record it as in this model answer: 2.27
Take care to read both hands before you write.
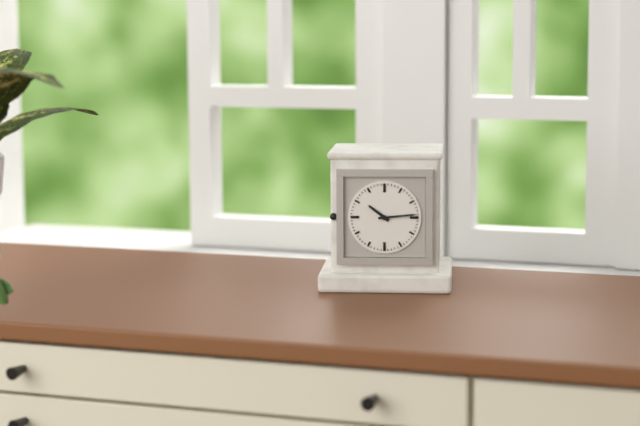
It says 10.14
